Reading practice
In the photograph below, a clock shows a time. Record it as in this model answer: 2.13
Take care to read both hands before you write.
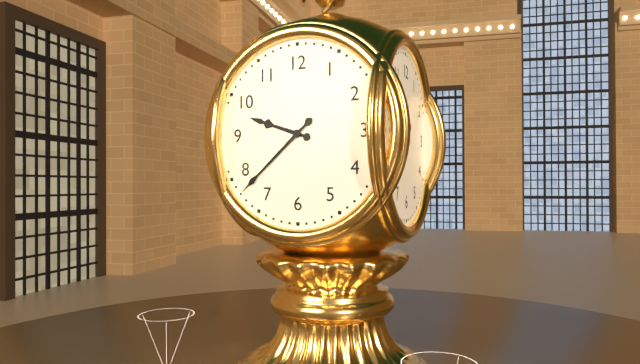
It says 9.38
